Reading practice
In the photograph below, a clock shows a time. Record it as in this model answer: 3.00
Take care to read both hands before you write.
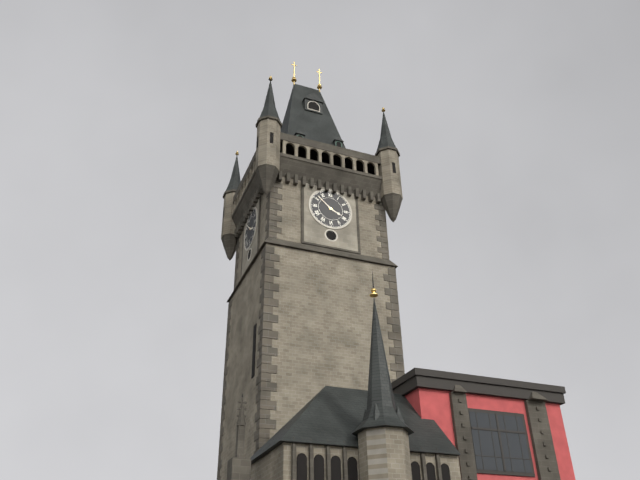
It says 3.52
